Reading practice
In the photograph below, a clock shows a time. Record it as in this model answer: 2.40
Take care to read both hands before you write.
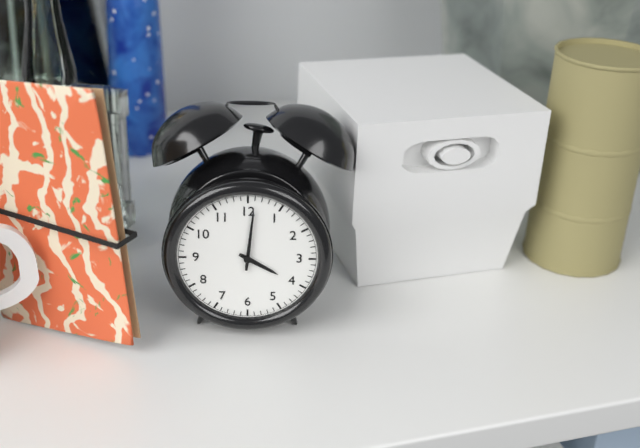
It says 4.01
